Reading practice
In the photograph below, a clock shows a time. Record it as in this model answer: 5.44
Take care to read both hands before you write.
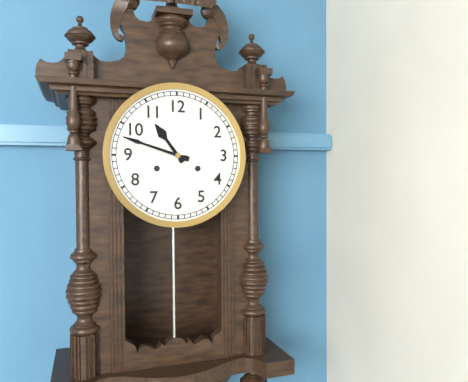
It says 10.48
